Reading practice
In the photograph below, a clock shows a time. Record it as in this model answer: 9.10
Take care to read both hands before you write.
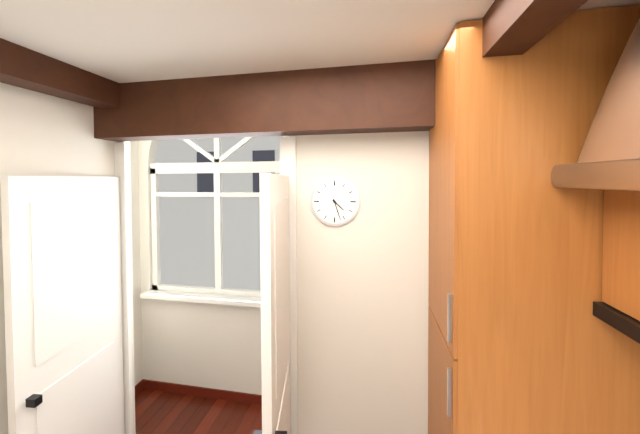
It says 4.27
